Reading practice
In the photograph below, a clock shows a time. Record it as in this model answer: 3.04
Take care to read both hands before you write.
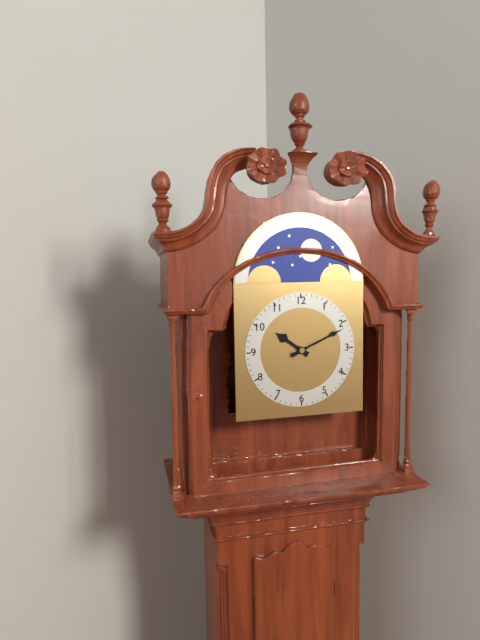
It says 10.11
